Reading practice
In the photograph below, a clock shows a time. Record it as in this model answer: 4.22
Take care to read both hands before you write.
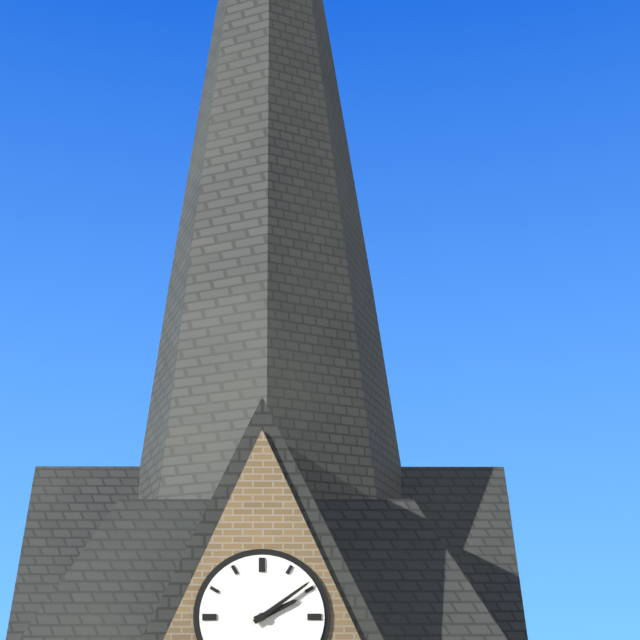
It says 2.09
